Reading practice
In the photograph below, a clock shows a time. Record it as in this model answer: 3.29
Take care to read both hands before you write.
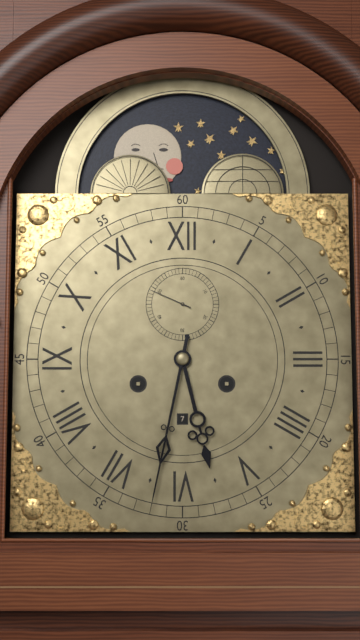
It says 5.32
